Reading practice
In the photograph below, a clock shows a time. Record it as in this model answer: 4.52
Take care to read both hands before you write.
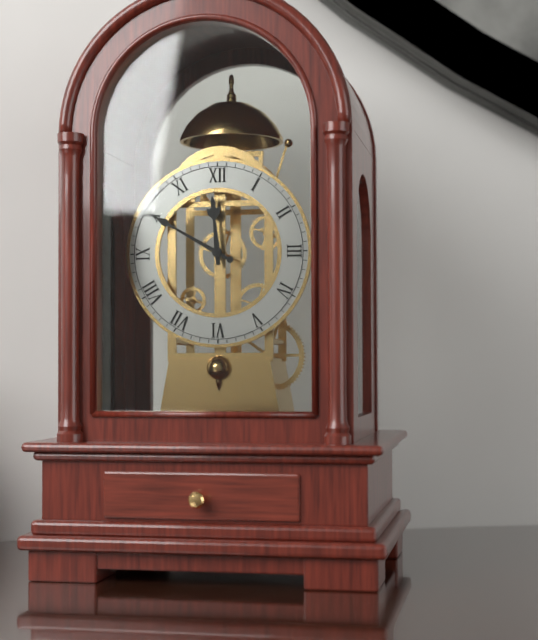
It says 11.50
